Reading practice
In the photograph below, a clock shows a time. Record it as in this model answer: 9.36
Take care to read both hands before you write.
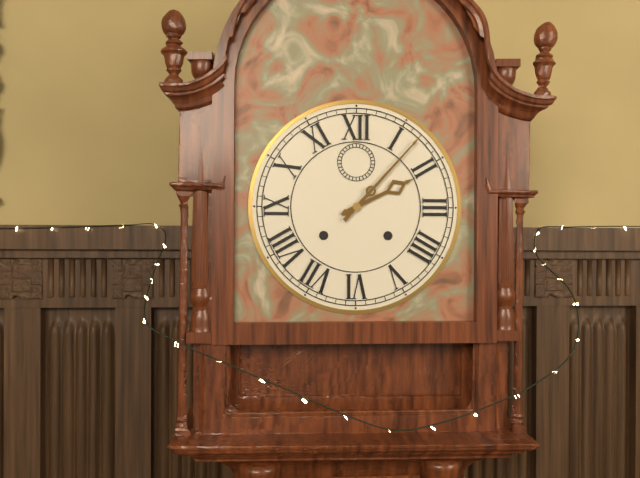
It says 2.07
